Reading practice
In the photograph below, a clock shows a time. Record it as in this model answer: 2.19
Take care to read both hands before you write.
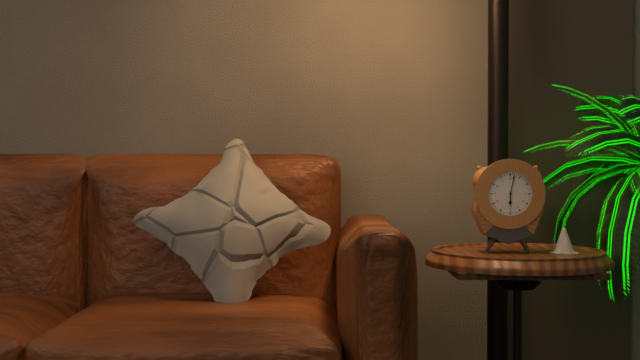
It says 6.02
